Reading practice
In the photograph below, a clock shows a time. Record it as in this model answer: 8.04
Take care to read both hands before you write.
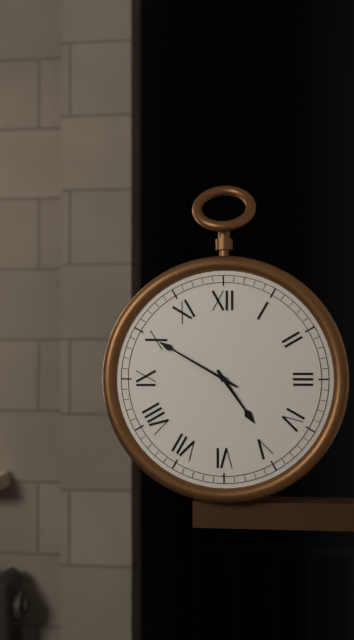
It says 4.50
